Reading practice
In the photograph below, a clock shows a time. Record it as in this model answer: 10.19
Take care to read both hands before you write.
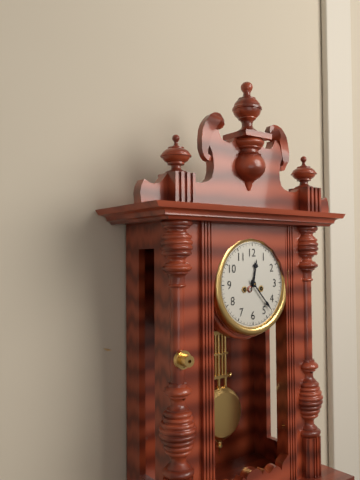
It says 12.23
